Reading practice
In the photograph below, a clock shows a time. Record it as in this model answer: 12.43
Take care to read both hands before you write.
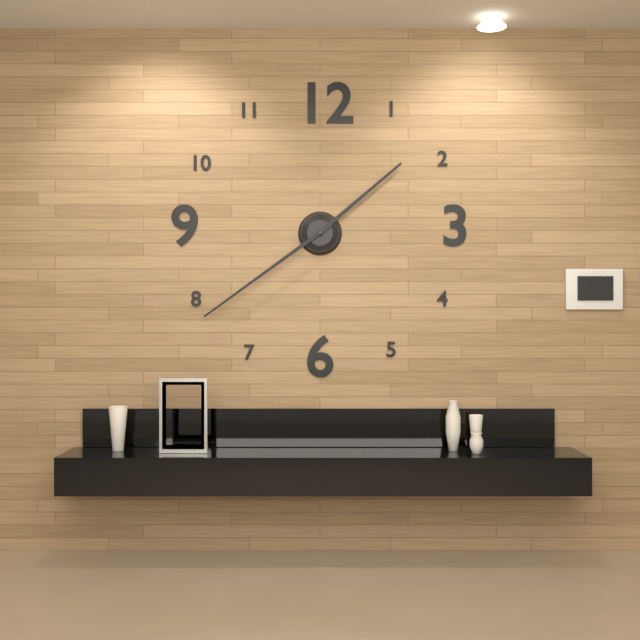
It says 1.39
